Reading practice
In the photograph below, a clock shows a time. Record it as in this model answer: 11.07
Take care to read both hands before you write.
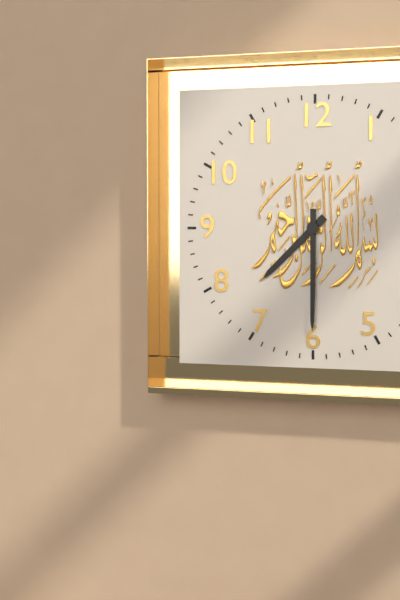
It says 7.30
